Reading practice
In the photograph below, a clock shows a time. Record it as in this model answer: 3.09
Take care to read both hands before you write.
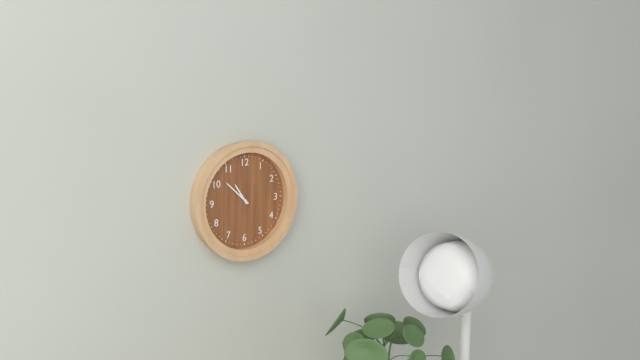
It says 10.52
